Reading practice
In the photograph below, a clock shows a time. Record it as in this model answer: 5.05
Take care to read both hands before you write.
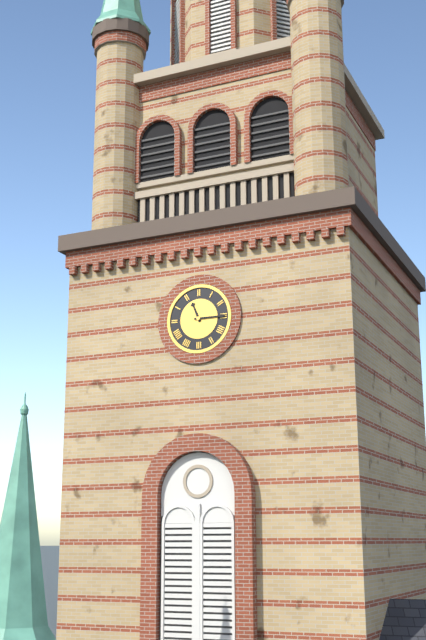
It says 11.15
